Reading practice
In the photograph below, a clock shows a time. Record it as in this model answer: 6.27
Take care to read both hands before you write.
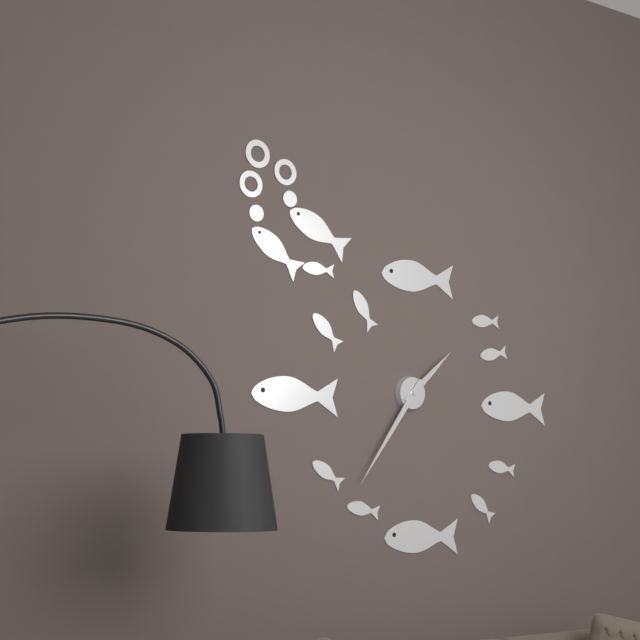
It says 1.36
